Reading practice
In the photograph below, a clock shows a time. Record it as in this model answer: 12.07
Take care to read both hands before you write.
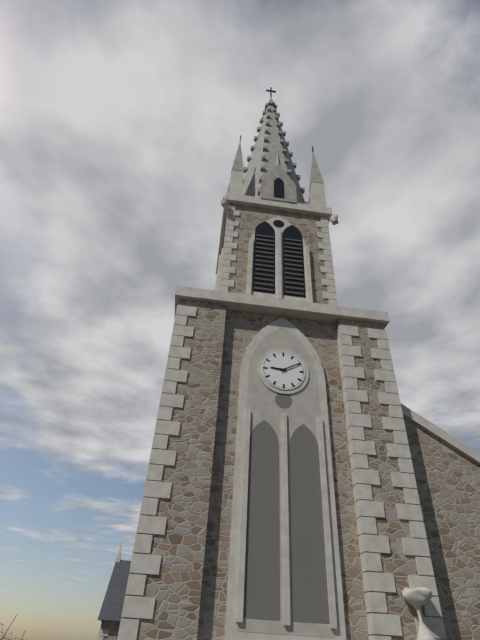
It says 9.10
